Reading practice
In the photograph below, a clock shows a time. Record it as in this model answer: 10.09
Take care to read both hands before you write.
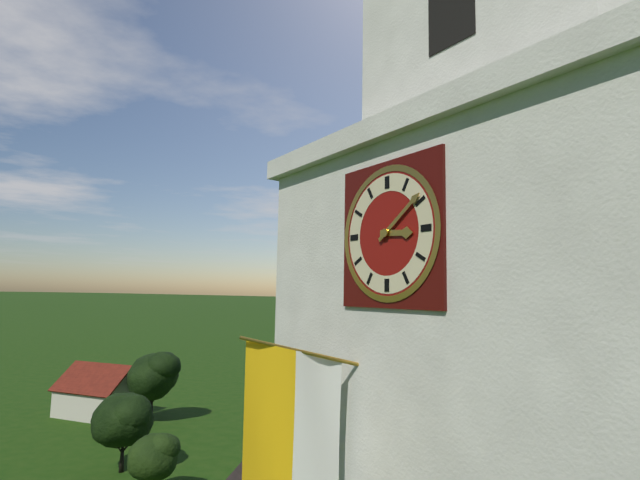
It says 3.09
